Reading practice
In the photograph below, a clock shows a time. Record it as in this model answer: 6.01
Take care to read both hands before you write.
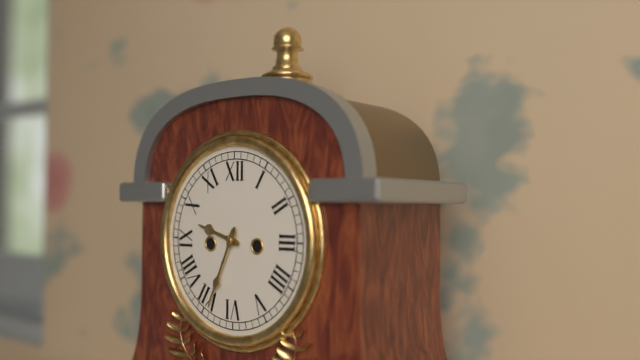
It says 9.34
